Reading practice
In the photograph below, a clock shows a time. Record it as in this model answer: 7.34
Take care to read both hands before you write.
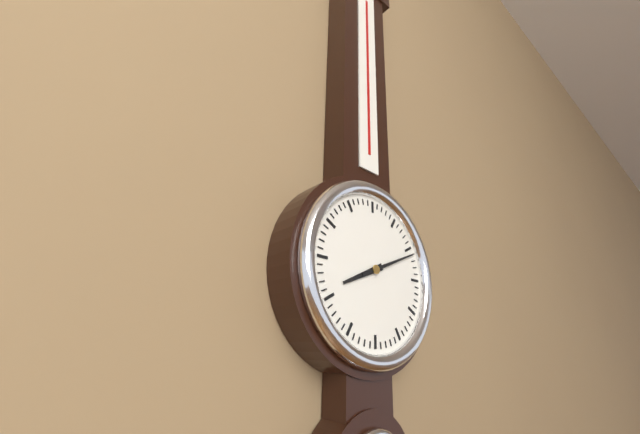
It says 8.11
